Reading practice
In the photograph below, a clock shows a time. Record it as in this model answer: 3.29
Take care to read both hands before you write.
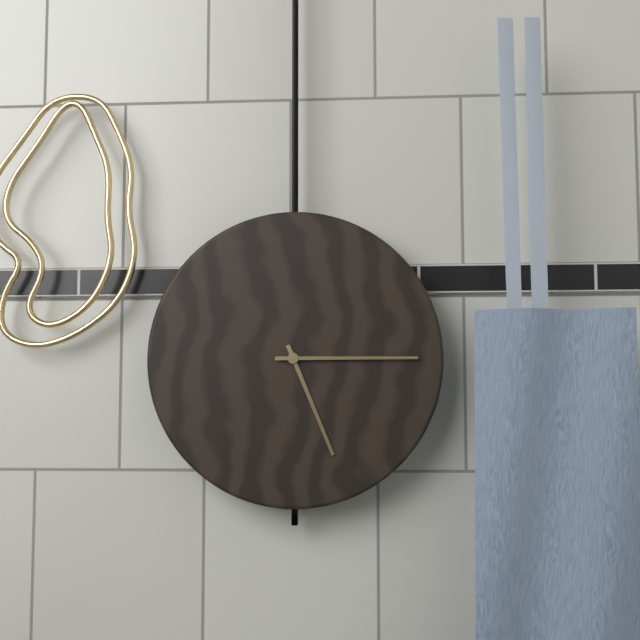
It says 5.15
